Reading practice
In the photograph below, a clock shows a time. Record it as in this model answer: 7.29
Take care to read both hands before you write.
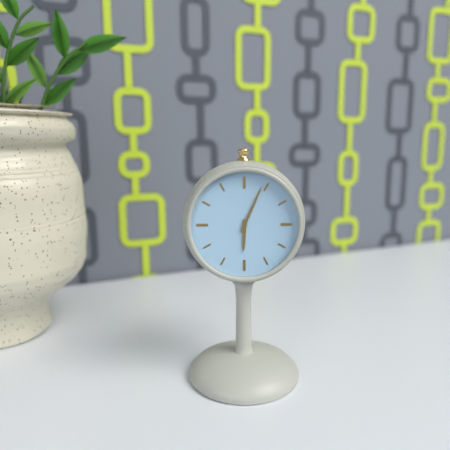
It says 6.04
